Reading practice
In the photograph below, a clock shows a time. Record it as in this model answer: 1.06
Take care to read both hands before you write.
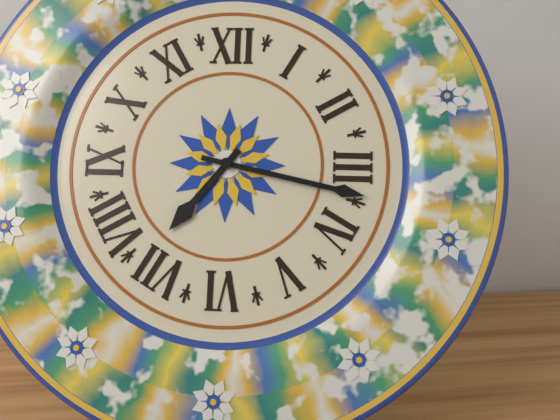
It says 7.17
